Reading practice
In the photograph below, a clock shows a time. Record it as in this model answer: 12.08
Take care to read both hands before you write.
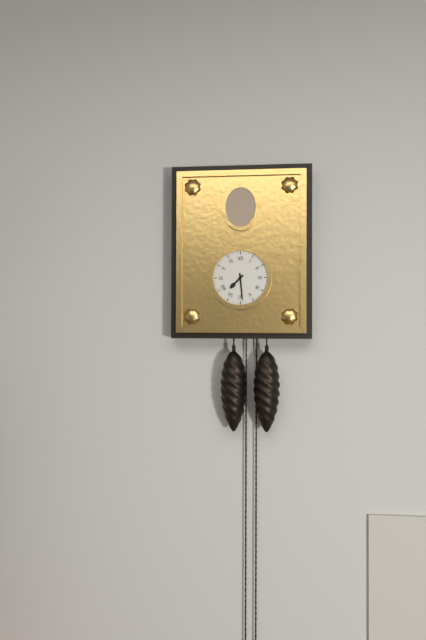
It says 7.29
